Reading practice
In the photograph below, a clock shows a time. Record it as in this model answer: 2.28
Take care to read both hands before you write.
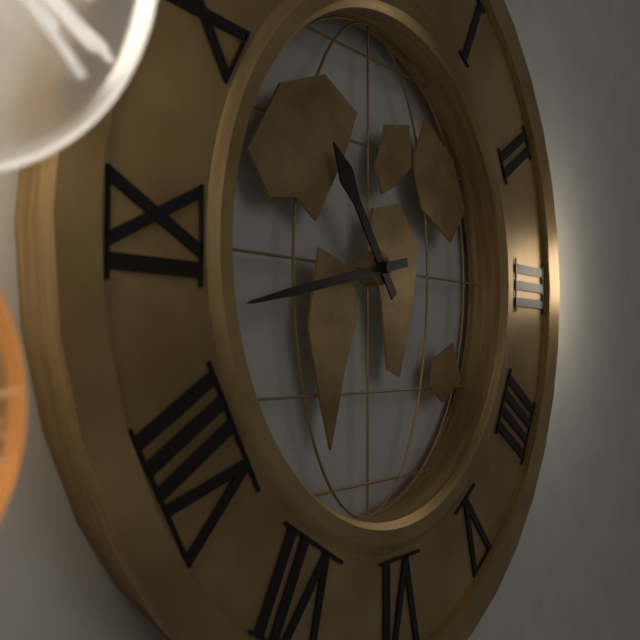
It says 10.43
